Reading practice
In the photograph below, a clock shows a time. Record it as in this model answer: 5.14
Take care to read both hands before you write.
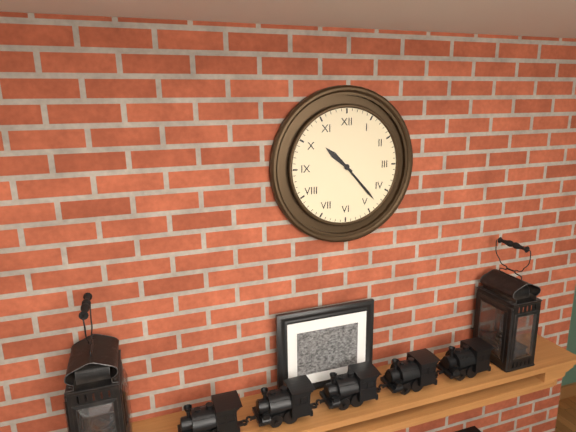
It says 10.23
